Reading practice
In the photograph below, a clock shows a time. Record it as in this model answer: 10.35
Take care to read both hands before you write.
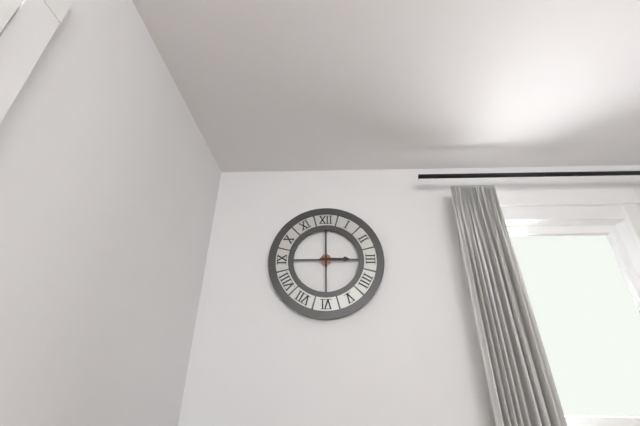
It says 3.00
